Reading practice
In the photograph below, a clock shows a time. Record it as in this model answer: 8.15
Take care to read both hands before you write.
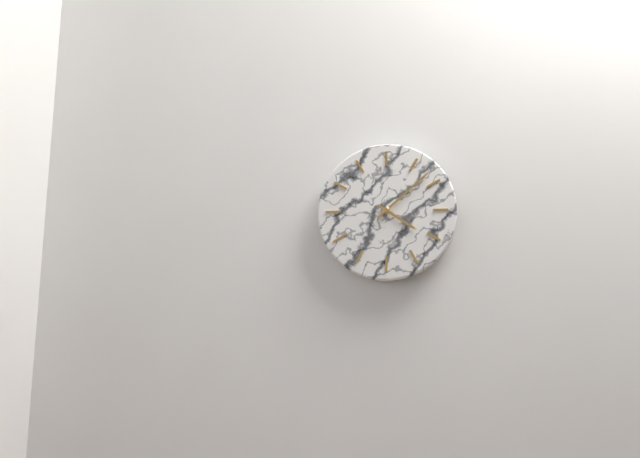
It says 4.08
